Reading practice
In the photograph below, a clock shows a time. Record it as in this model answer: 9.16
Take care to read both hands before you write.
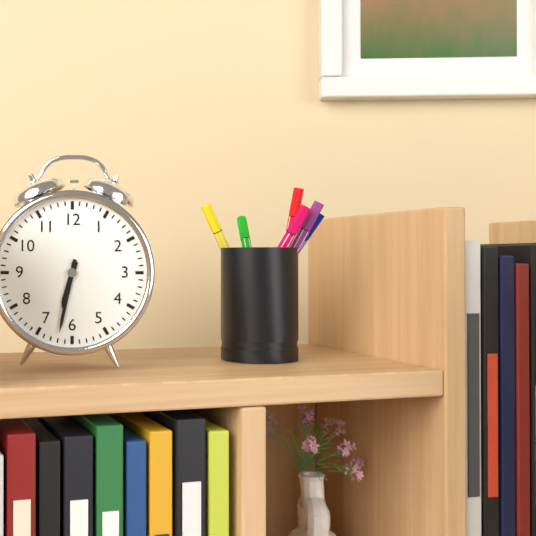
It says 6.32
